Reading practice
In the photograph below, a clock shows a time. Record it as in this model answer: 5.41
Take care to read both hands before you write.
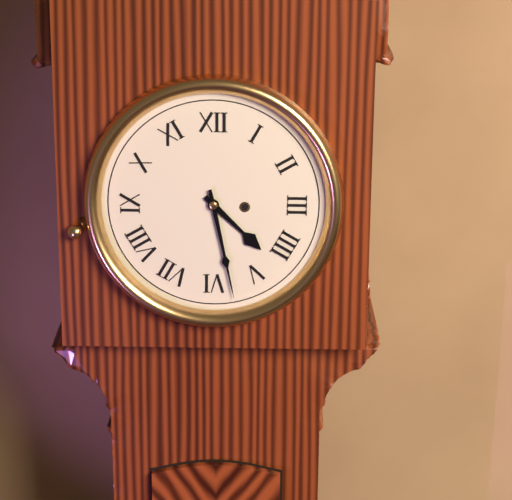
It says 4.28
